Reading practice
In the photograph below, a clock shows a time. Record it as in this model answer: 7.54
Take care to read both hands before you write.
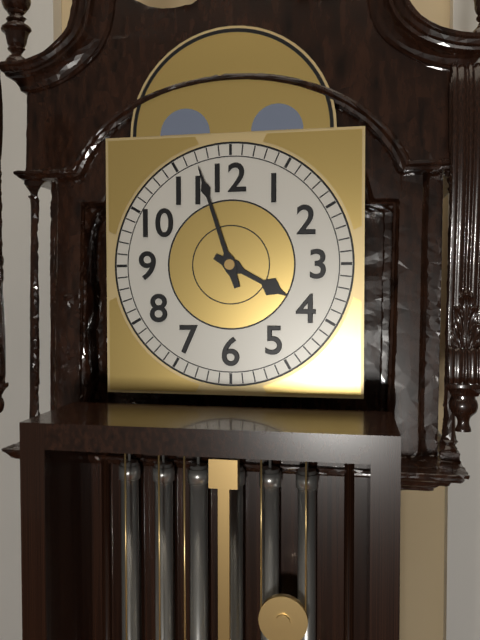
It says 3.57
